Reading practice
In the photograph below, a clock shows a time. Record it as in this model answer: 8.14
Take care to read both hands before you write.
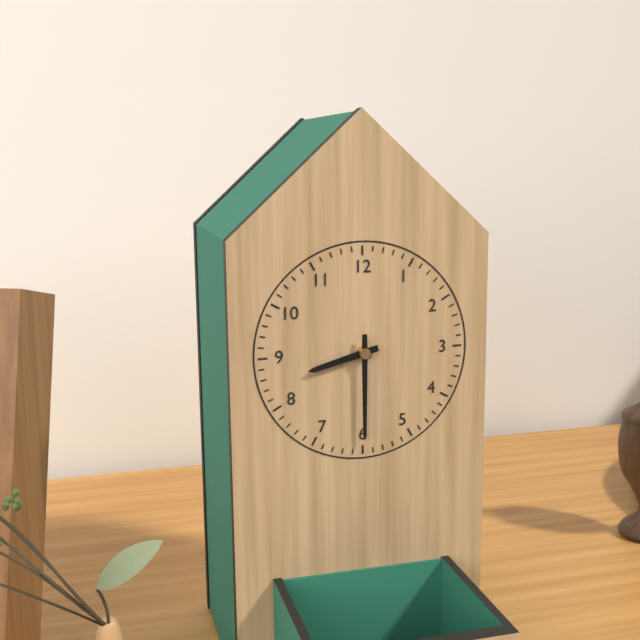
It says 8.30
